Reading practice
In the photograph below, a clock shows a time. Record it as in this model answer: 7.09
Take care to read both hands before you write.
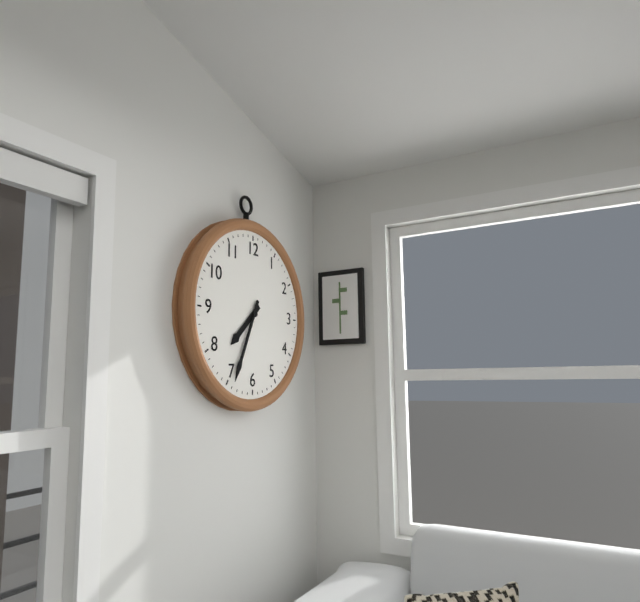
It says 7.34
